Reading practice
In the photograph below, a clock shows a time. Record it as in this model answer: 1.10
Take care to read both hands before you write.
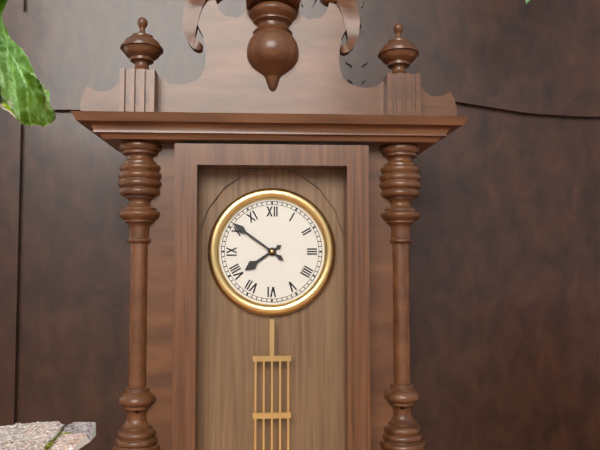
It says 7.51
